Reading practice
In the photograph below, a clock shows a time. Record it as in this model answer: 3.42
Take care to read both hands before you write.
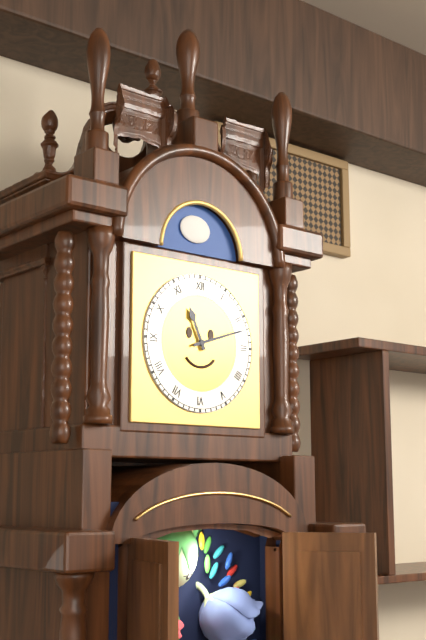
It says 11.12
